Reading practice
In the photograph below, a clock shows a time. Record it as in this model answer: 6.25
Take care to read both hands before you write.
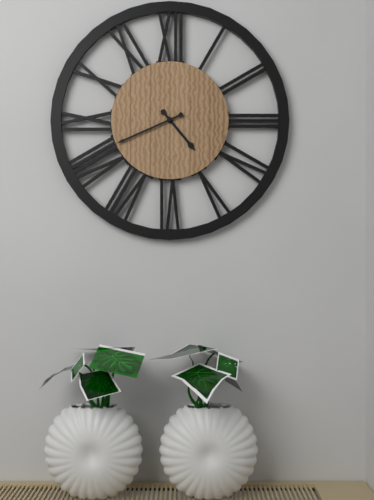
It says 4.41
